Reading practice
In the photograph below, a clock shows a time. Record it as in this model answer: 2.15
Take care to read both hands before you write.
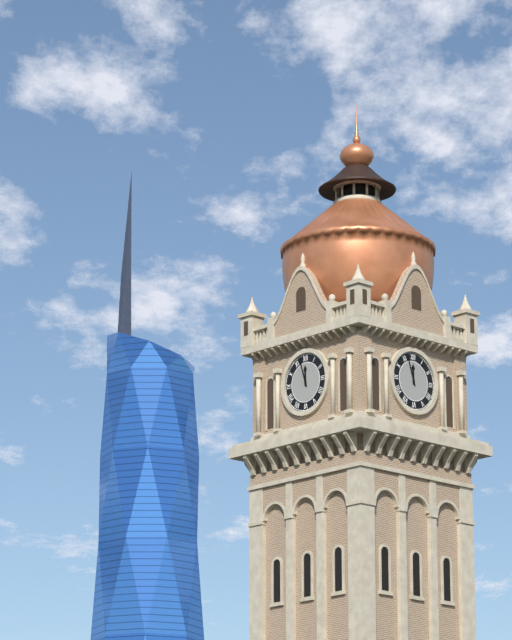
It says 11.57
